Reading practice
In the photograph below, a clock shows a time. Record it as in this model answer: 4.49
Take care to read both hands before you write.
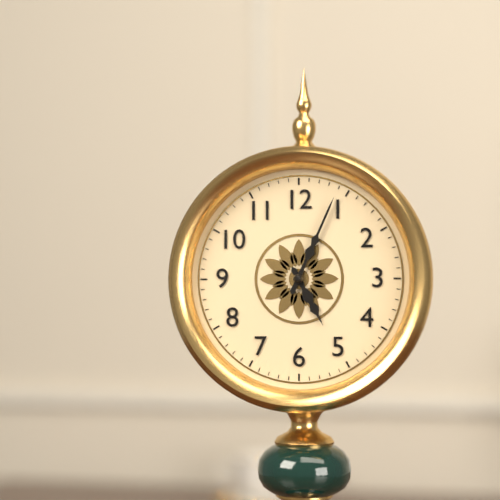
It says 5.04
